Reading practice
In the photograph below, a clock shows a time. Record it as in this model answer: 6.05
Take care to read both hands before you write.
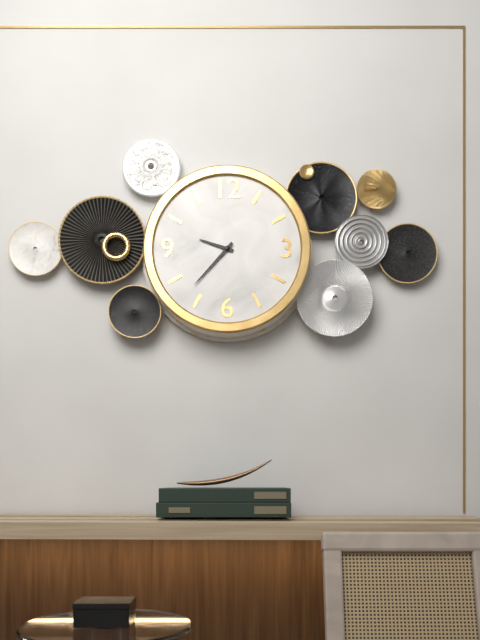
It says 9.37
